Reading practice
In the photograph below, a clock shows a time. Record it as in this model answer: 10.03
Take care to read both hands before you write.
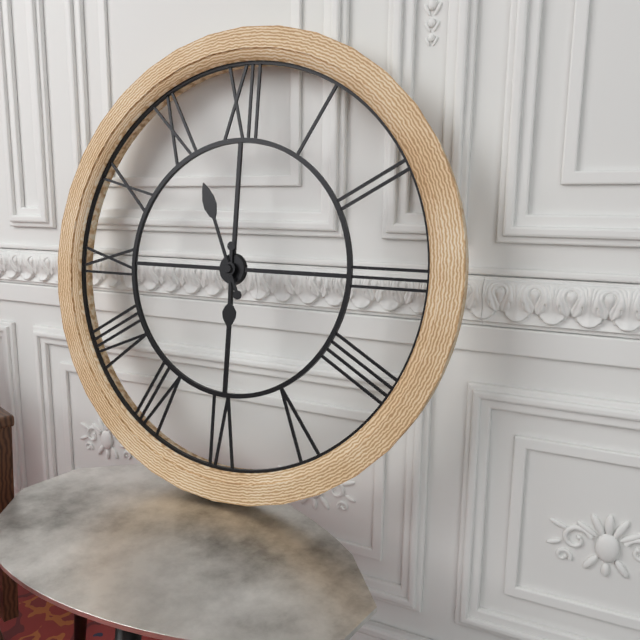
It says 5.56
